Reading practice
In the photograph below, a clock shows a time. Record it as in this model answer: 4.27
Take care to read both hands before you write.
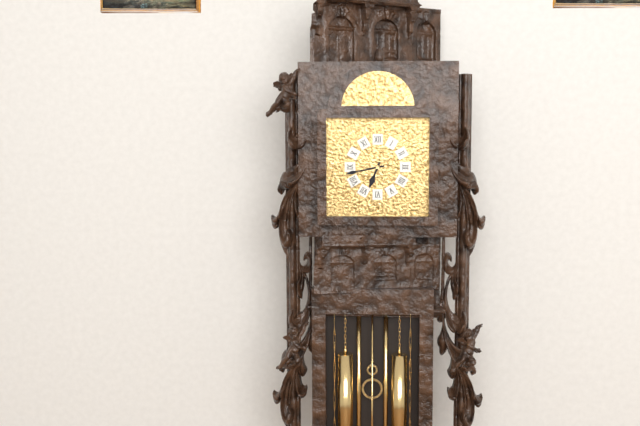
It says 6.43
